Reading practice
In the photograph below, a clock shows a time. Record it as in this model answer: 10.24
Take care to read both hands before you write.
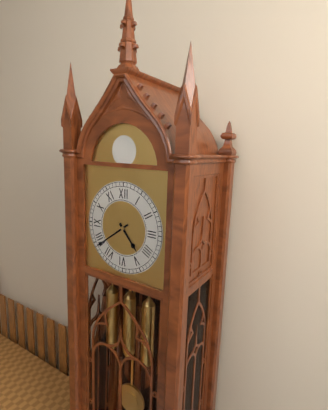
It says 4.39
